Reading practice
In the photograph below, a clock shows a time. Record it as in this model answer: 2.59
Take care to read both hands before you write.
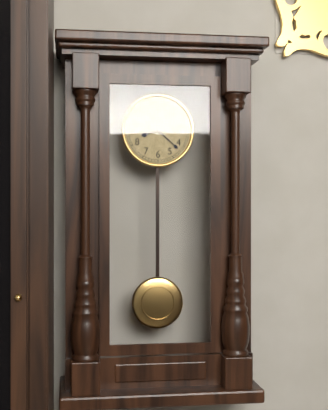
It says 8.22
